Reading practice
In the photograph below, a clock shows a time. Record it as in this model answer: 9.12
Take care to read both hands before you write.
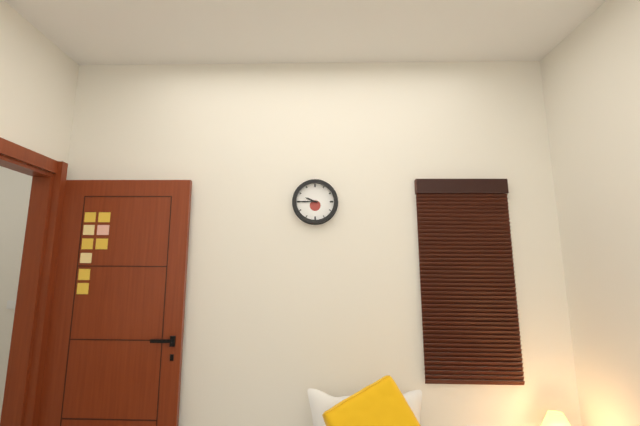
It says 9.45
